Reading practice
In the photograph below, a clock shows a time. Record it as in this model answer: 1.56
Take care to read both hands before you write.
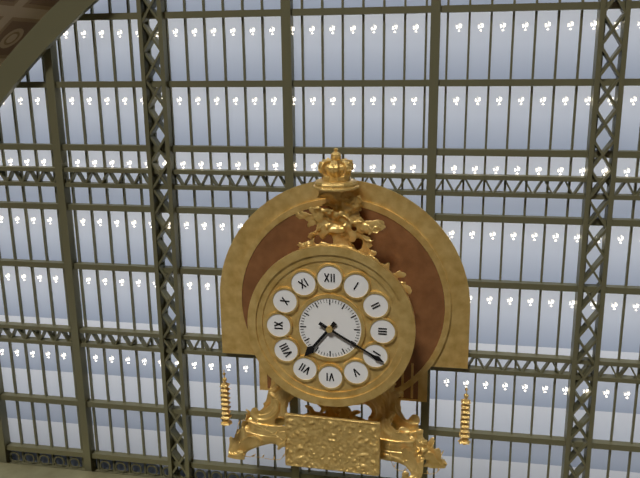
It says 7.20
